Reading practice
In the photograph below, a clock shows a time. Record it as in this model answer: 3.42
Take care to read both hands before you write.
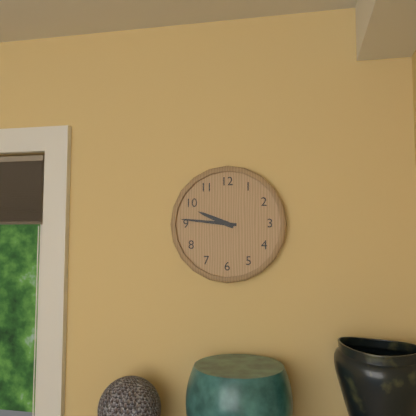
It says 9.46
